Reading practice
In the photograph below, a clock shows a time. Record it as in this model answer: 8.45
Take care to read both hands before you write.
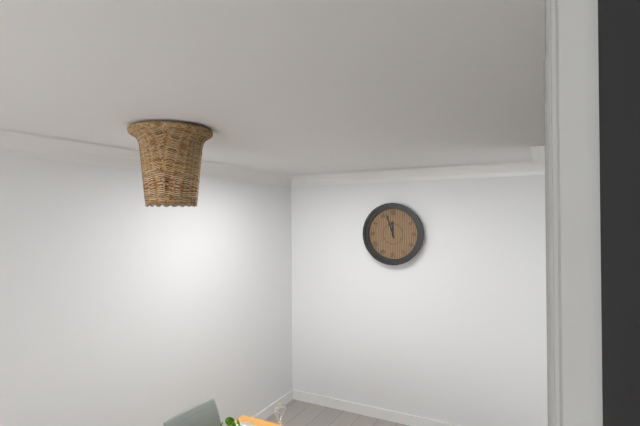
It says 11.57
